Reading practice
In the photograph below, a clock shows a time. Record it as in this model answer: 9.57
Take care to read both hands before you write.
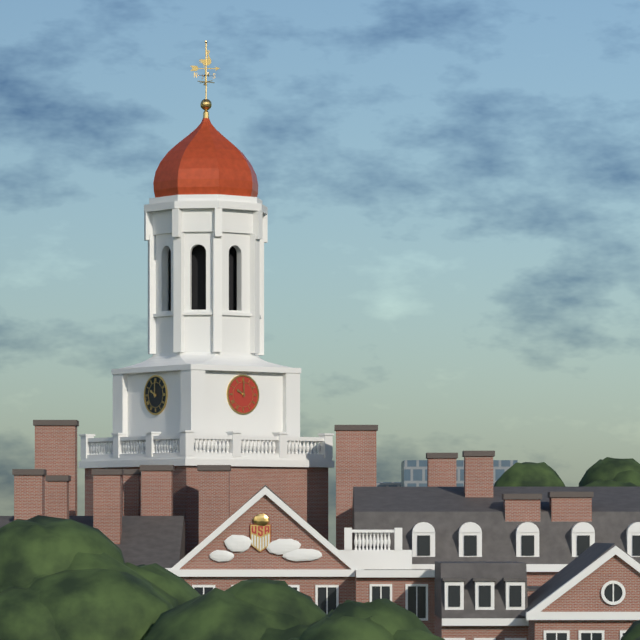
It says 10.00
